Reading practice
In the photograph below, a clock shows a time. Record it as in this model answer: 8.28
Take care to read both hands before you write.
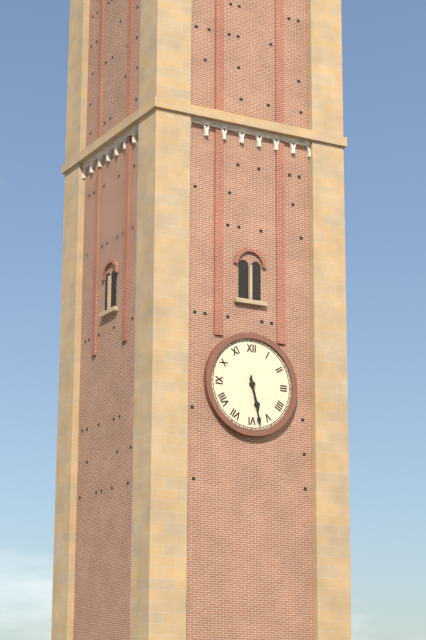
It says 5.28
